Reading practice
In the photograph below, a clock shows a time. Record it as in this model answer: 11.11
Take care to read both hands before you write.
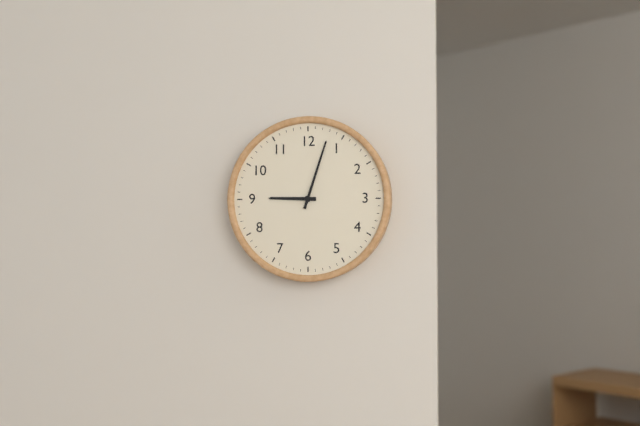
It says 9.03
